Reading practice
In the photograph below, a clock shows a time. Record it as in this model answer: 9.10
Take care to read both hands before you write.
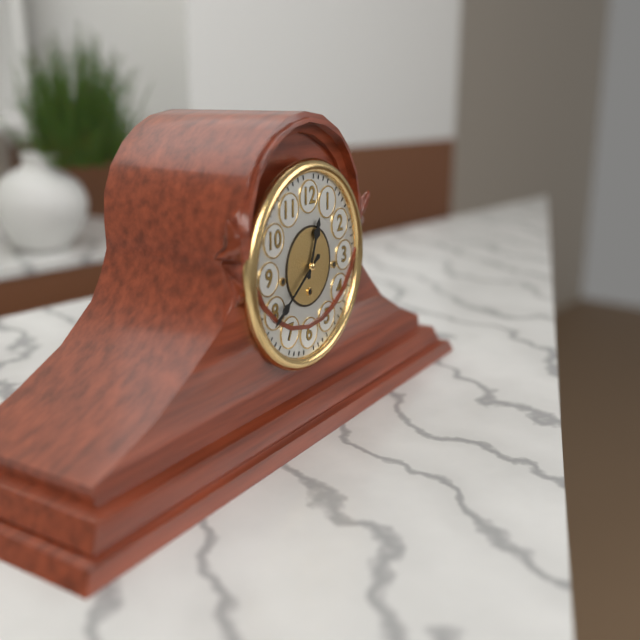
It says 12.39
